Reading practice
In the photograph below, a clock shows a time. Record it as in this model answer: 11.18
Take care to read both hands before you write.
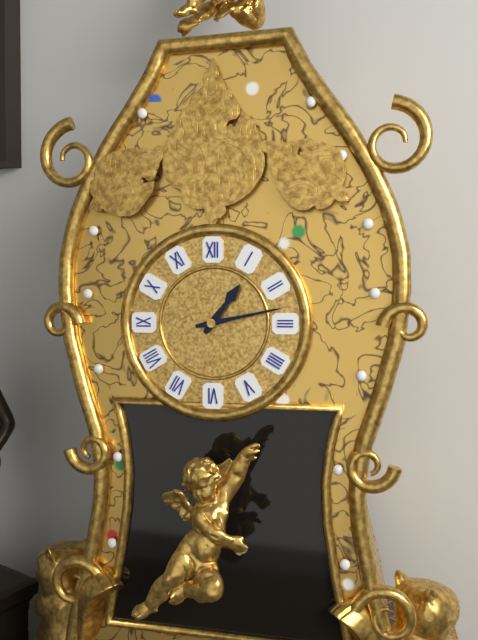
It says 1.13
